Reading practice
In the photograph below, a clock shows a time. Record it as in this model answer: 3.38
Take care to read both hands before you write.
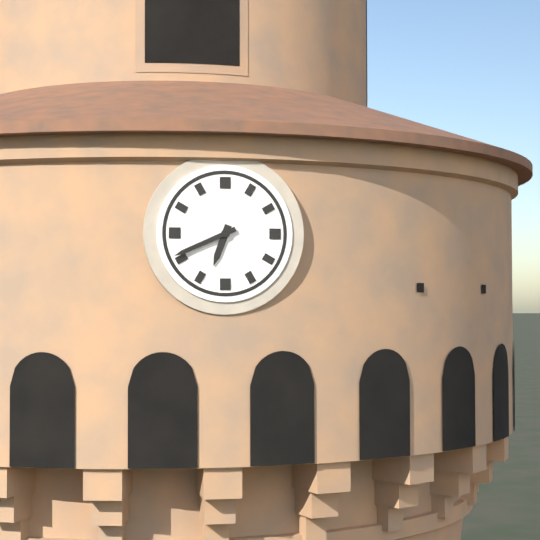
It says 6.41
